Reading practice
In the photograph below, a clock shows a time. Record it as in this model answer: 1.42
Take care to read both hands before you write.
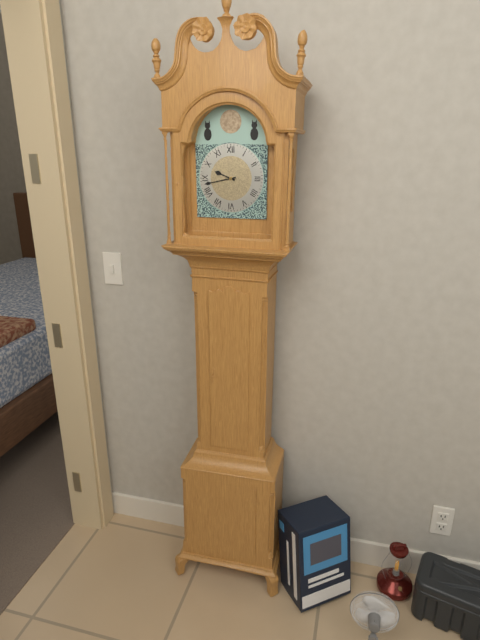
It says 9.43
